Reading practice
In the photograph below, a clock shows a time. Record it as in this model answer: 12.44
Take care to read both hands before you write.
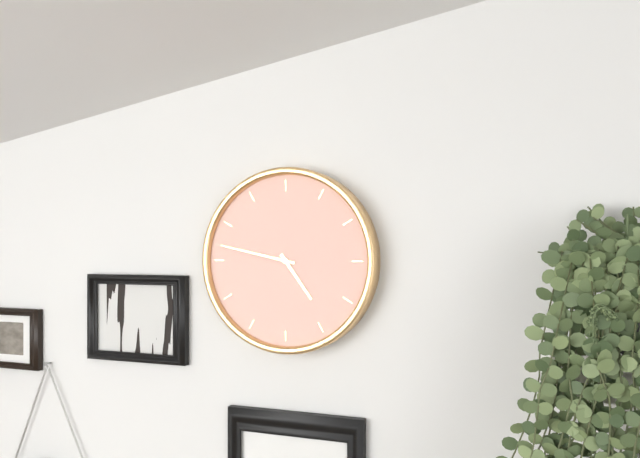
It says 4.47
